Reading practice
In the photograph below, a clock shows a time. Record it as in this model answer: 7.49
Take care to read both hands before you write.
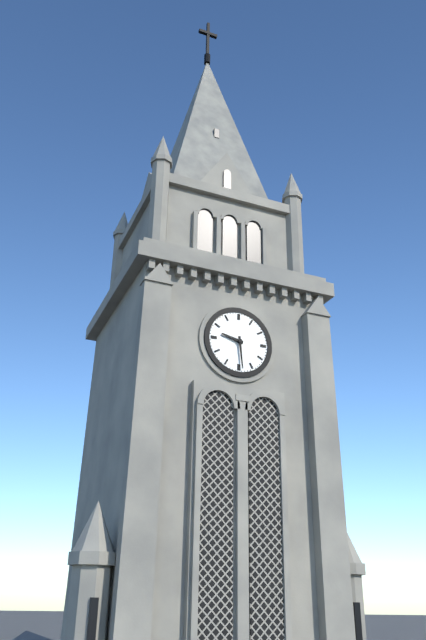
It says 9.29
